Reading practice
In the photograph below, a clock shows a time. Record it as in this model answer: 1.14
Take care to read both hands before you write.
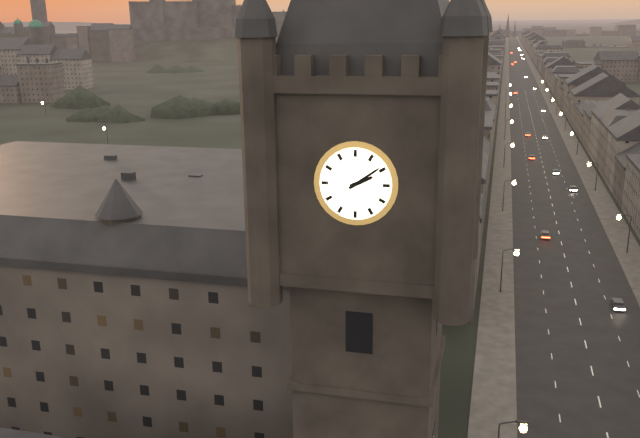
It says 2.09
